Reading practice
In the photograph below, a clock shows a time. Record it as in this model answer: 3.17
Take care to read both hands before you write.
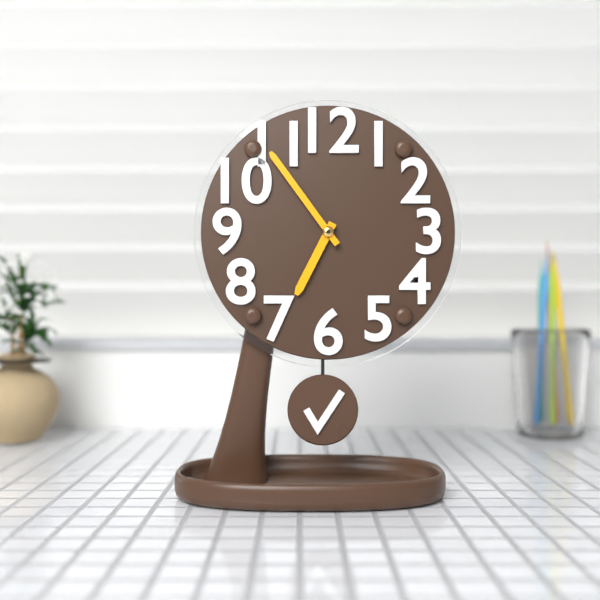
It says 6.54
